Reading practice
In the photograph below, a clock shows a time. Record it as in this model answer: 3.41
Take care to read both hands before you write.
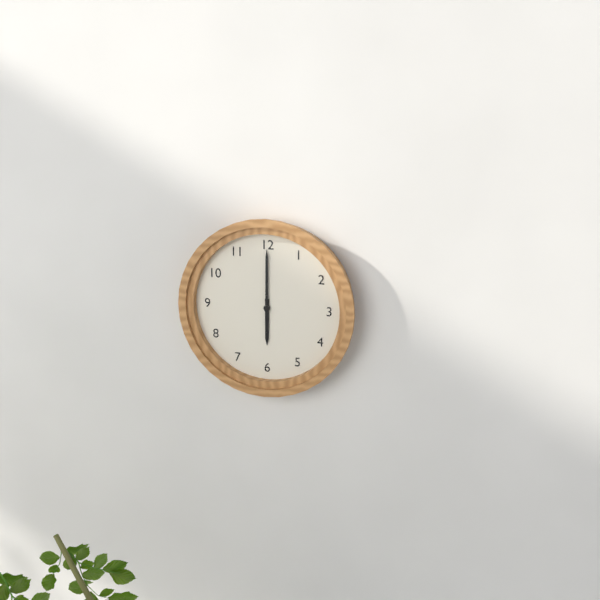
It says 6.00
